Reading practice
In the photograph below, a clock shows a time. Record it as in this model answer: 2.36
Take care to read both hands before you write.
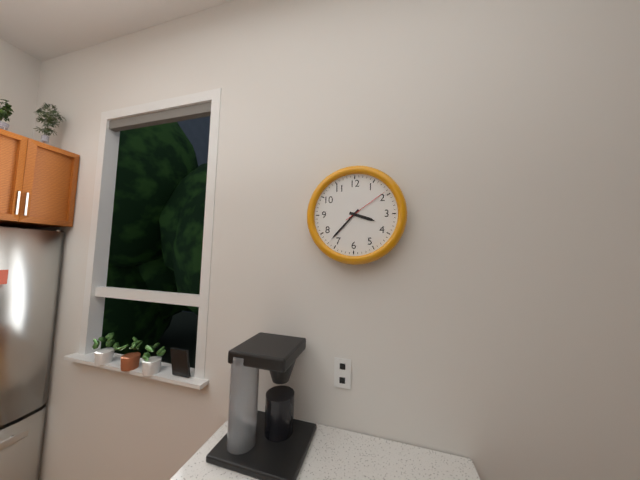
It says 3.37
